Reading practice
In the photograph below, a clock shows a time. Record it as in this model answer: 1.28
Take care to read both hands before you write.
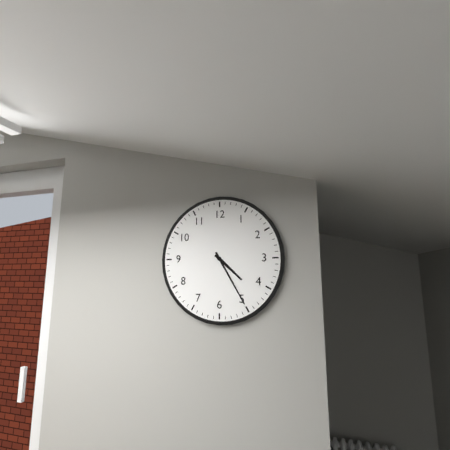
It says 4.25
